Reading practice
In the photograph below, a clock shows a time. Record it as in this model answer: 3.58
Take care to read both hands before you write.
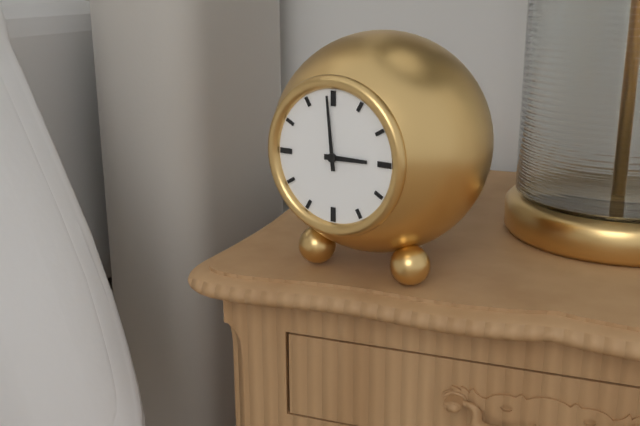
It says 2.59
